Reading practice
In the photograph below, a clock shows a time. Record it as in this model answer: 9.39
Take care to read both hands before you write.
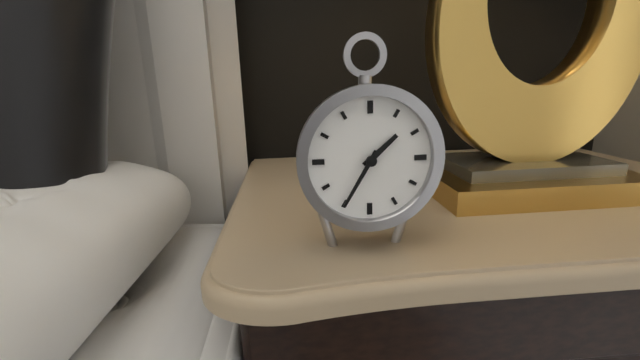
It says 1.35
